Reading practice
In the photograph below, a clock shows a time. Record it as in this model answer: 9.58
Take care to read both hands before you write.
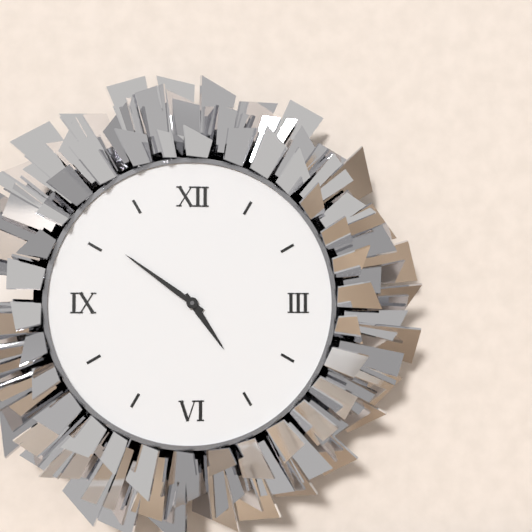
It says 4.51
